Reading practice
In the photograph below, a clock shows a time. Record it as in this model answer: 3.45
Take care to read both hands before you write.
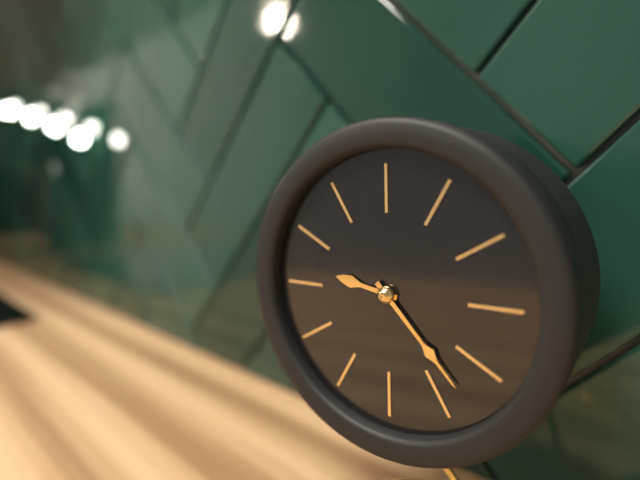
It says 9.23
